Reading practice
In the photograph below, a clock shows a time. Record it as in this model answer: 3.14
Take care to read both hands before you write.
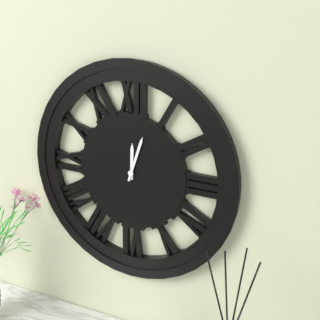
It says 12.03
